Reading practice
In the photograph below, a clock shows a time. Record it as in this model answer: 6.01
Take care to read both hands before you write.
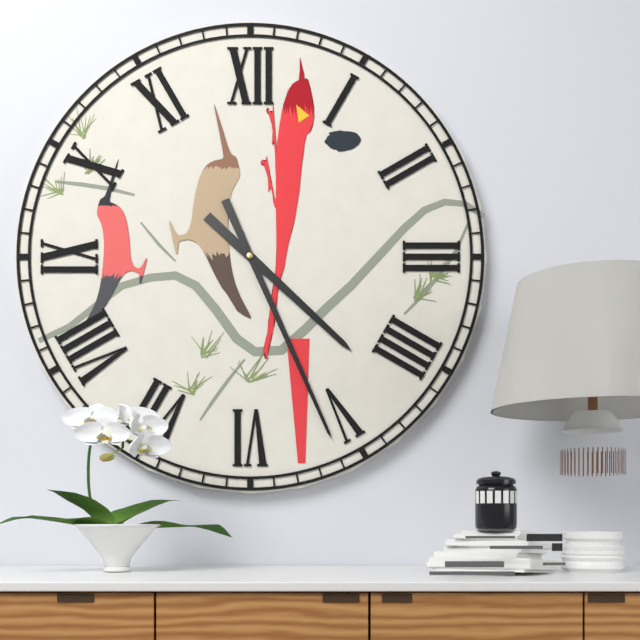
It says 4.26
